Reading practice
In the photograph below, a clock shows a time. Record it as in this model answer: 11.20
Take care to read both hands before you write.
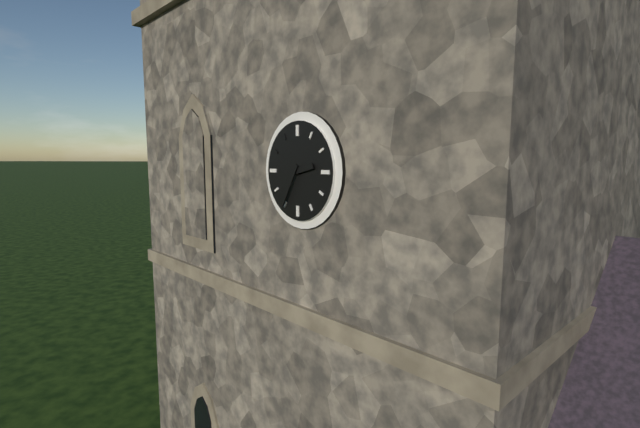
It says 2.35
